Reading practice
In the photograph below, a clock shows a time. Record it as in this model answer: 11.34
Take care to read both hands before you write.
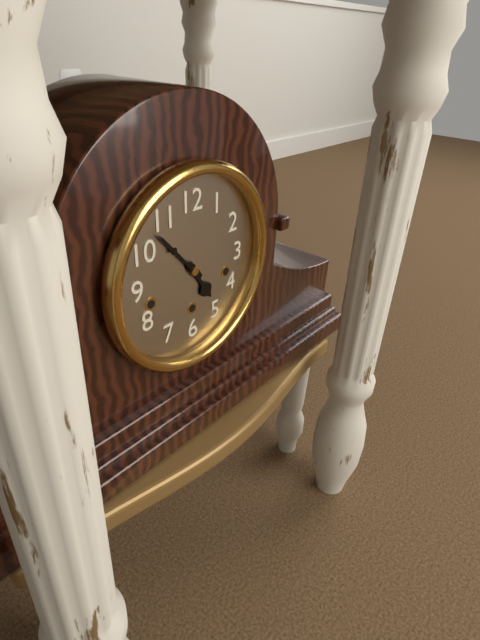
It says 4.53
